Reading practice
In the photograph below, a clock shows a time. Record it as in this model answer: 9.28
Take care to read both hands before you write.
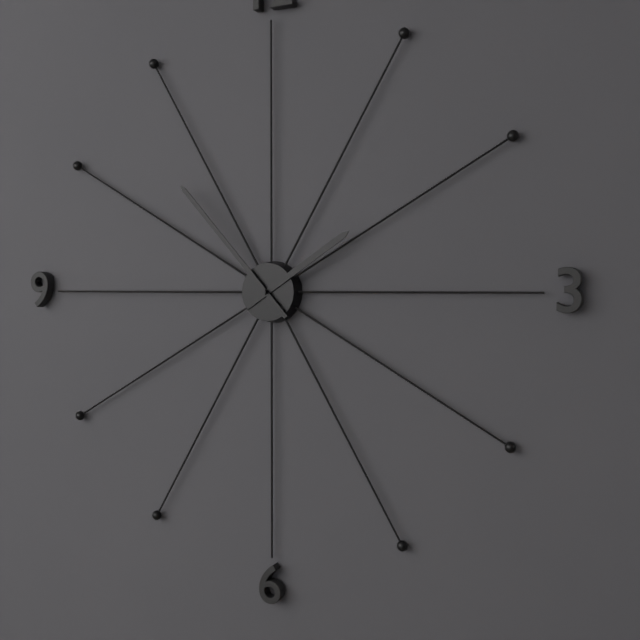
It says 1.53
